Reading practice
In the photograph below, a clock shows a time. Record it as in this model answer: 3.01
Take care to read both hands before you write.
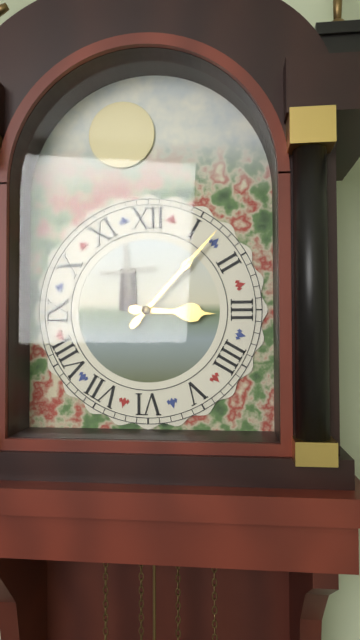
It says 3.07
